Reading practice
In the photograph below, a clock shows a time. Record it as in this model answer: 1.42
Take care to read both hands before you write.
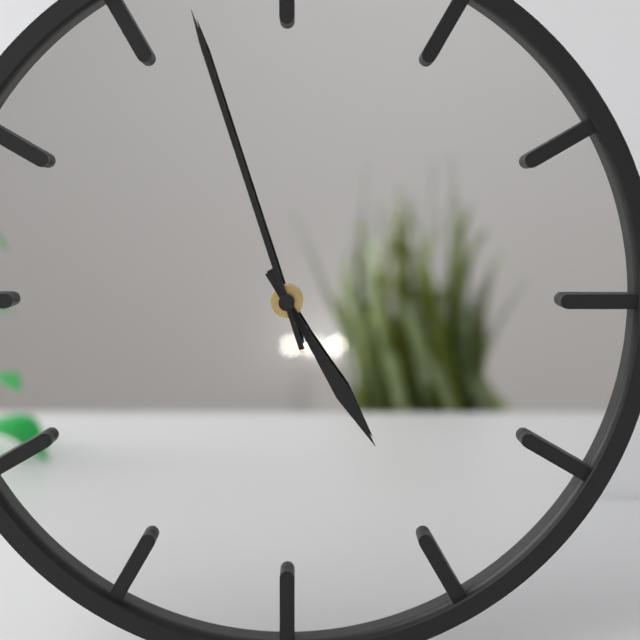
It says 4.57
